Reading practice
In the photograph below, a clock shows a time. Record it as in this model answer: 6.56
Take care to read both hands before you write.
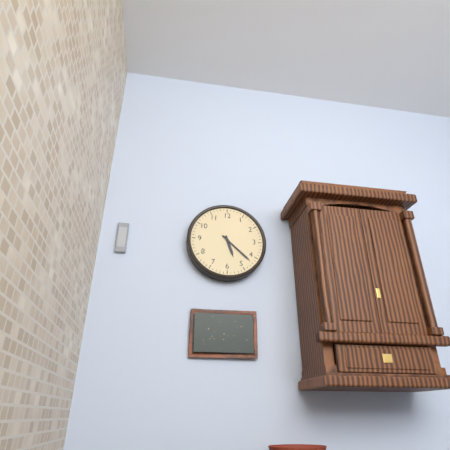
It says 5.22
